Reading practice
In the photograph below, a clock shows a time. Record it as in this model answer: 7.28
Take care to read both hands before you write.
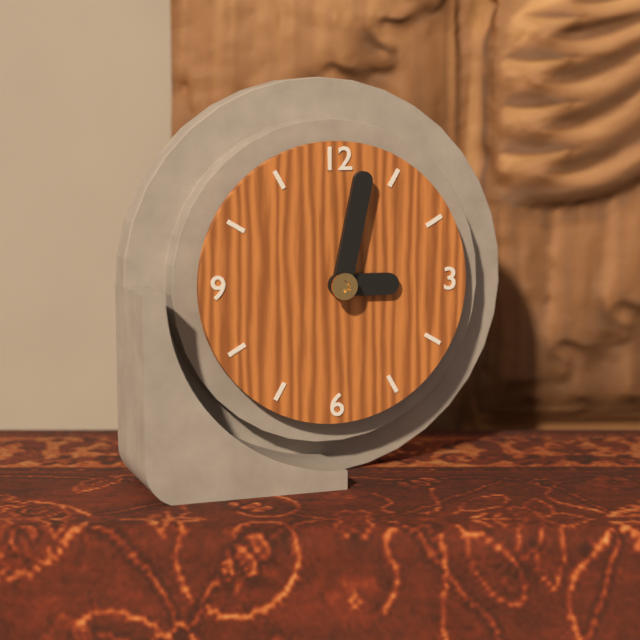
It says 3.02
